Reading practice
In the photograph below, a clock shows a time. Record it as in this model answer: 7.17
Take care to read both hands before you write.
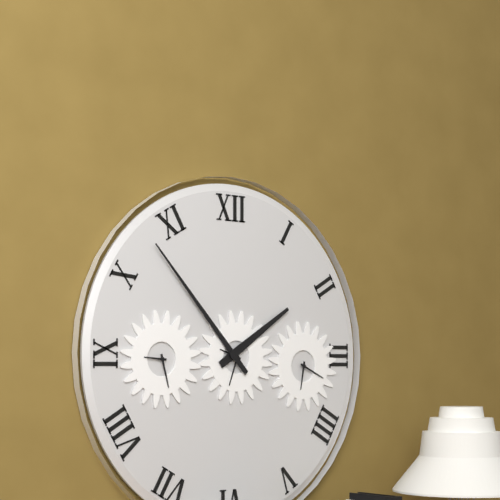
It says 1.53
